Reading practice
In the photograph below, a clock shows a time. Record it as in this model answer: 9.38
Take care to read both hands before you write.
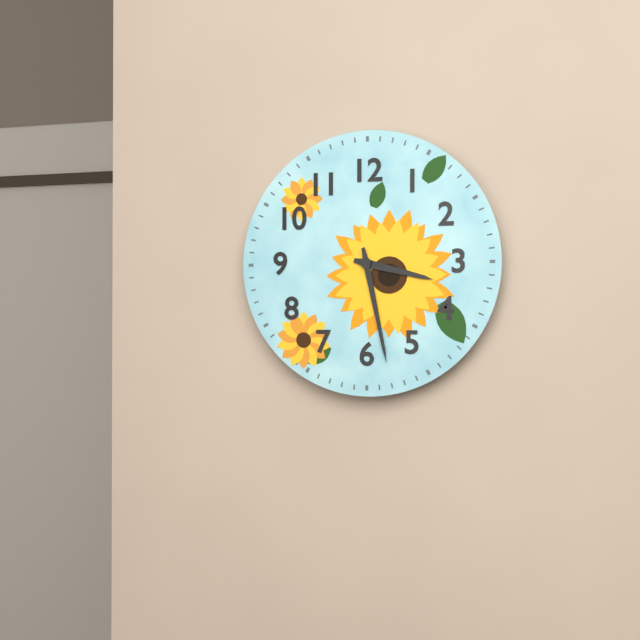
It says 3.28
